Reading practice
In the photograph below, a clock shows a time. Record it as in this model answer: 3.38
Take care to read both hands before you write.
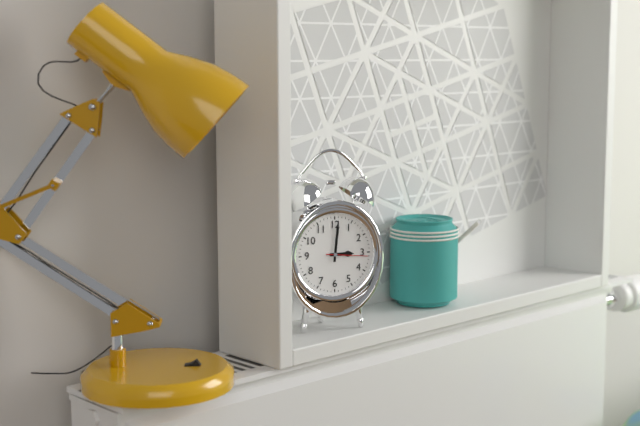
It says 3.01
